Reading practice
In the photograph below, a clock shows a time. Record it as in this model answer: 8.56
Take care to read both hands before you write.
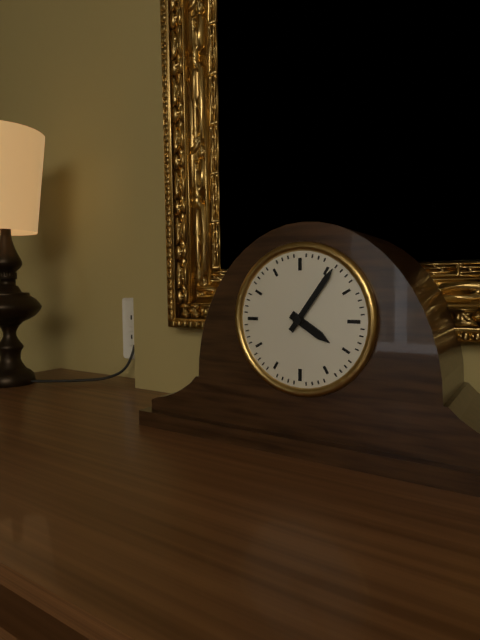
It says 4.06
